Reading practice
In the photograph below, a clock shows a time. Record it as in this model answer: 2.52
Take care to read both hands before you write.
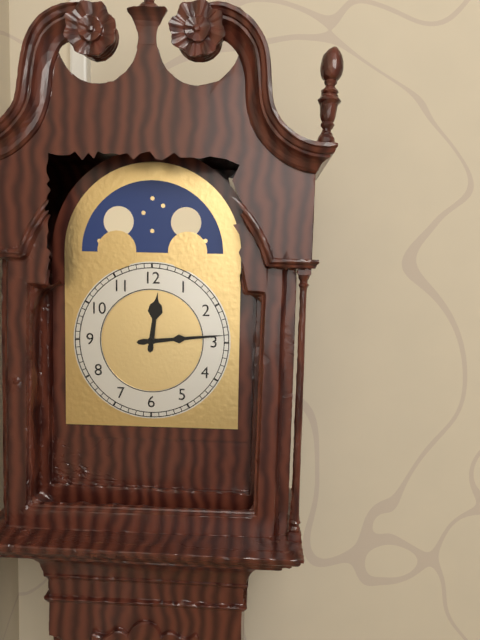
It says 12.14
